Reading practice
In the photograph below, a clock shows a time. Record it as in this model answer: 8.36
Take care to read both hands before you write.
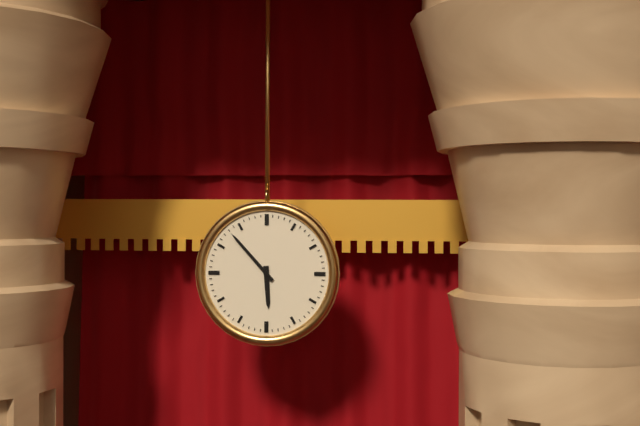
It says 5.53
